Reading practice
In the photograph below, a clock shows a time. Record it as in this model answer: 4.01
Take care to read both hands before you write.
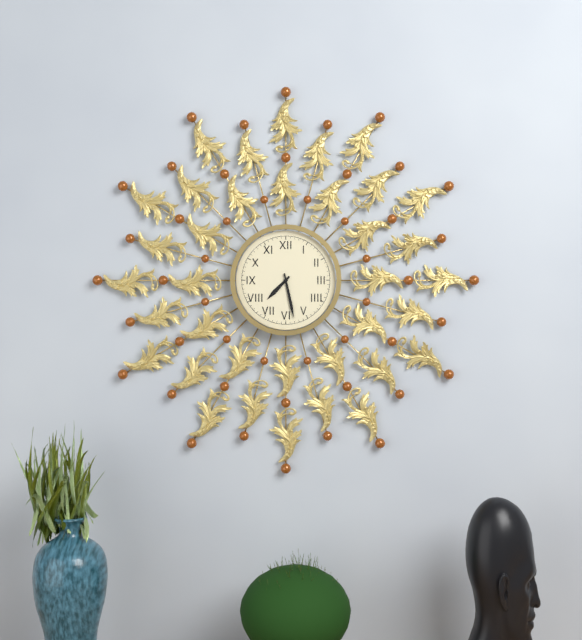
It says 7.28
